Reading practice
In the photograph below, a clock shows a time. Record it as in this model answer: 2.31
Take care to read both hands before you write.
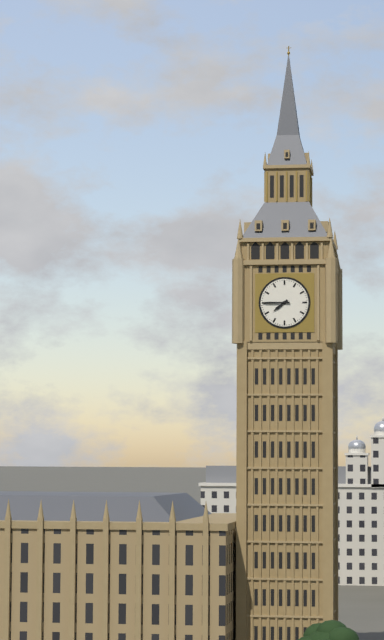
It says 7.45
